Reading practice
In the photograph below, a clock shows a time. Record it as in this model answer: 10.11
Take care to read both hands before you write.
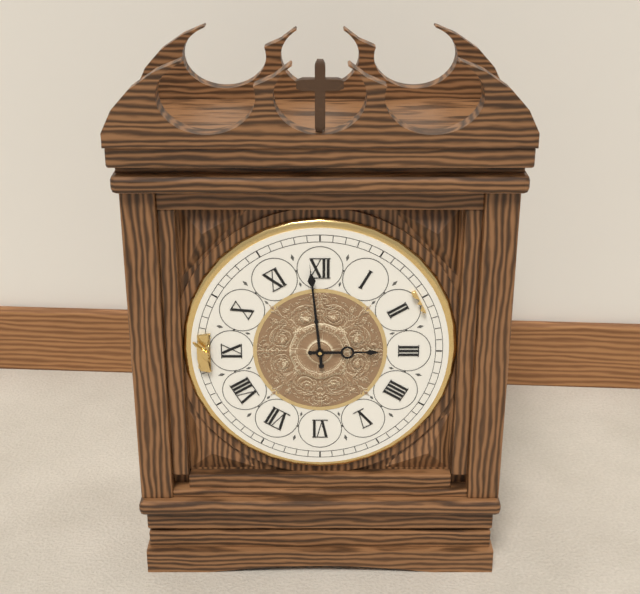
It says 2.59
